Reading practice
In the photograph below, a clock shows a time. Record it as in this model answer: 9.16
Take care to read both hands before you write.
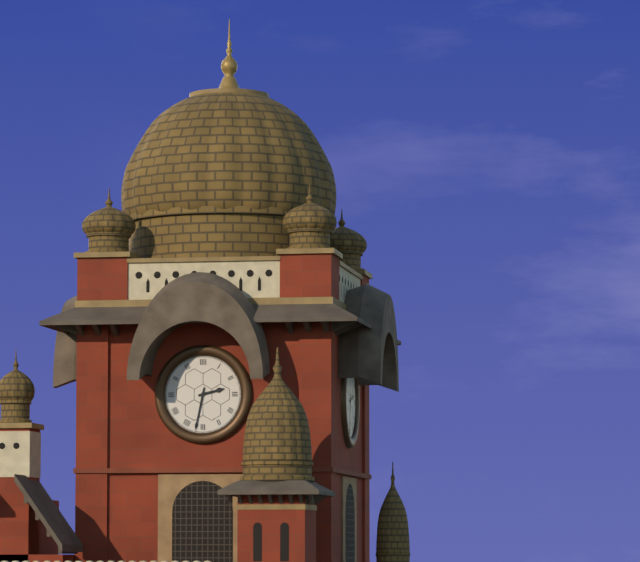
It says 2.32
